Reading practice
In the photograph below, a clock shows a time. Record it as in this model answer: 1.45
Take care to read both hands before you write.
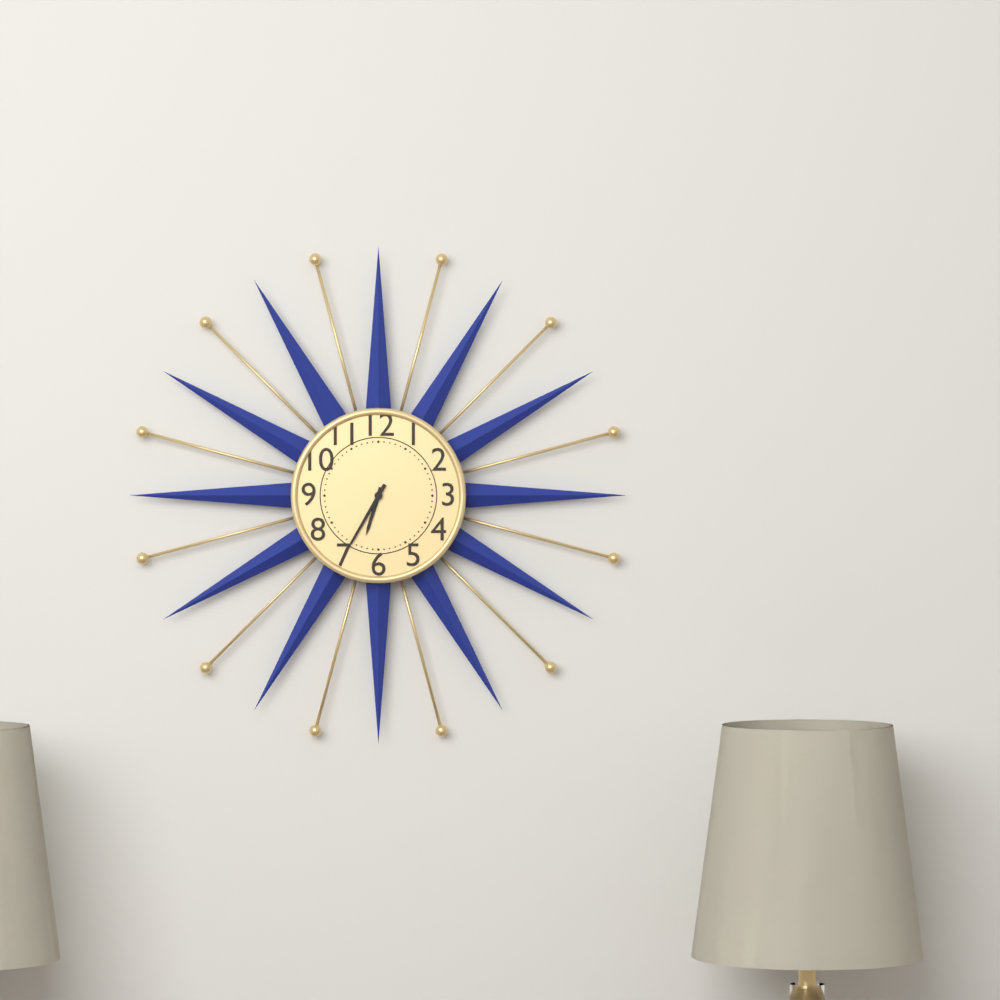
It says 6.35
